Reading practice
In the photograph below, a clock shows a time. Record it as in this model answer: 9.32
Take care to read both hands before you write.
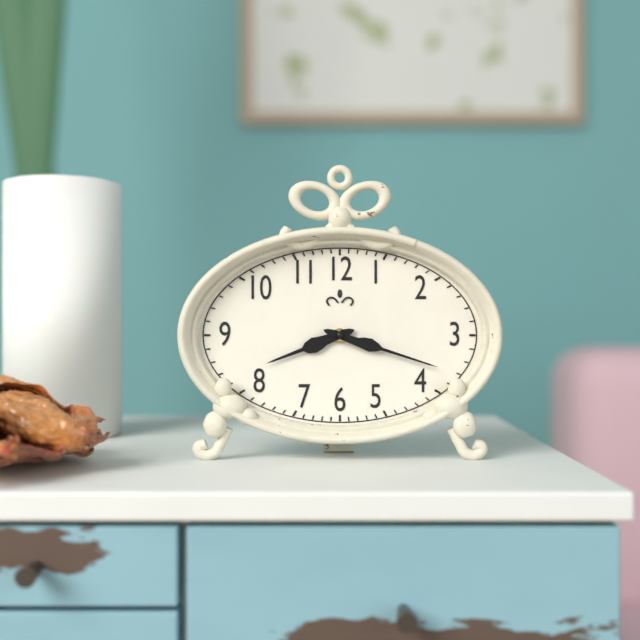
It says 8.18
